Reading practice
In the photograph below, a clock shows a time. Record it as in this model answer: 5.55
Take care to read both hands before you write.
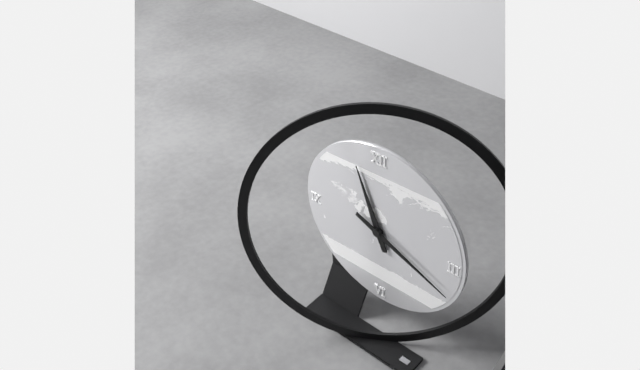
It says 11.19
